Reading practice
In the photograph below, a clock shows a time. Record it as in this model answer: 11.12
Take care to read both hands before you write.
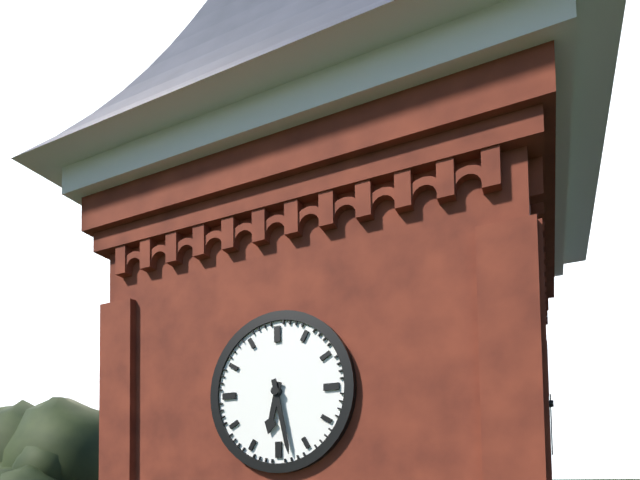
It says 6.28
